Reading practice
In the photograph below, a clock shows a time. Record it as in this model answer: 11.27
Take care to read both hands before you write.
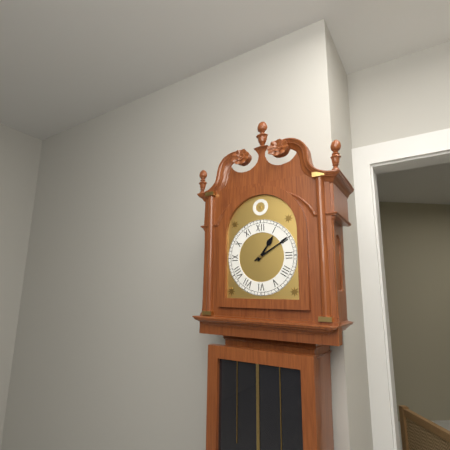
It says 1.10
